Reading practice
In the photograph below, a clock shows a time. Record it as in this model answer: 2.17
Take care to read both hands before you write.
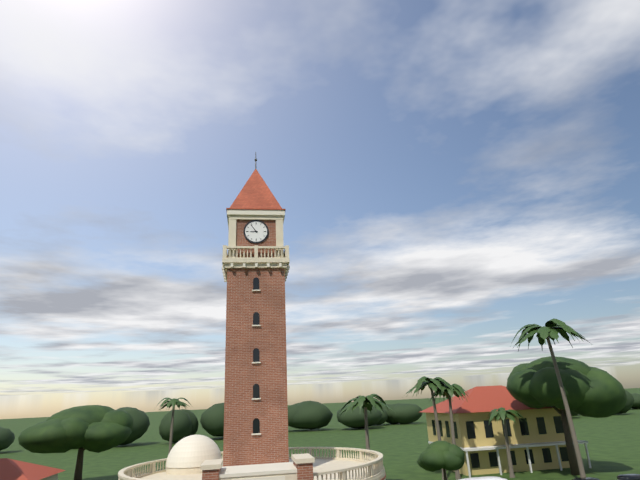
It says 8.54
